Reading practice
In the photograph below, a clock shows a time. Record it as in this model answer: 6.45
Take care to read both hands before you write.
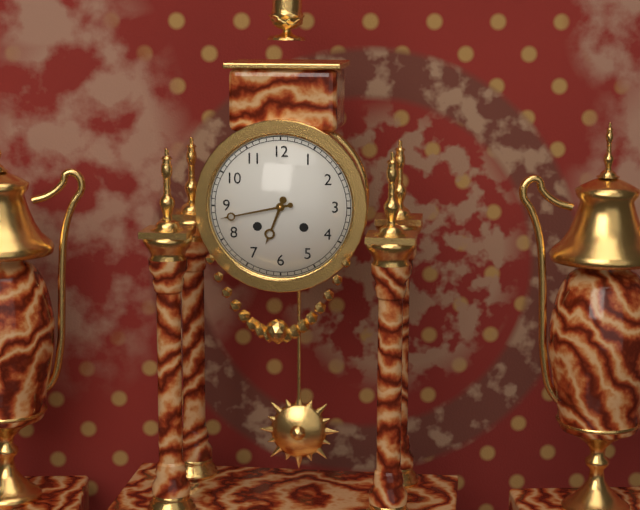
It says 6.43
